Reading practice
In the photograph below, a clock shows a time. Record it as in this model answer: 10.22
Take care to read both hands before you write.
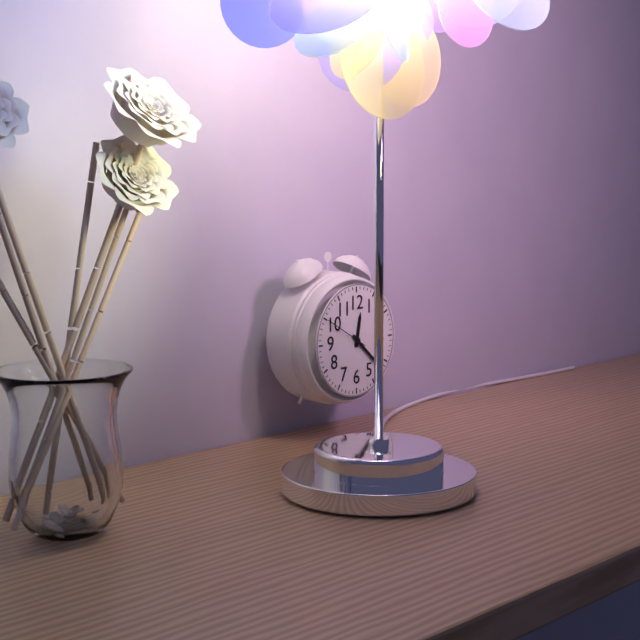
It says 12.22
